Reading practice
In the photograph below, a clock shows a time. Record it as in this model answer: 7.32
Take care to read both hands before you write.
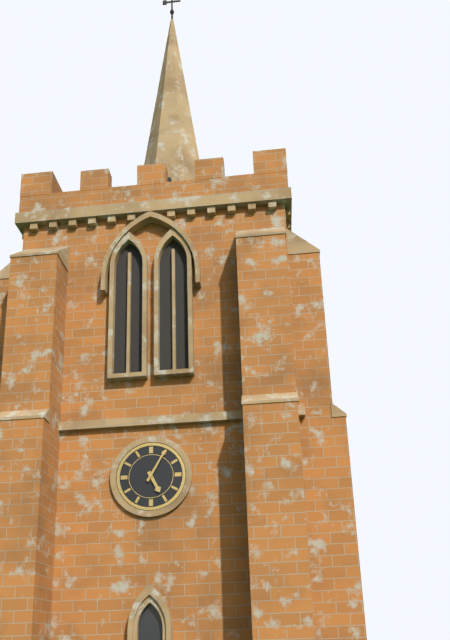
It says 5.05
